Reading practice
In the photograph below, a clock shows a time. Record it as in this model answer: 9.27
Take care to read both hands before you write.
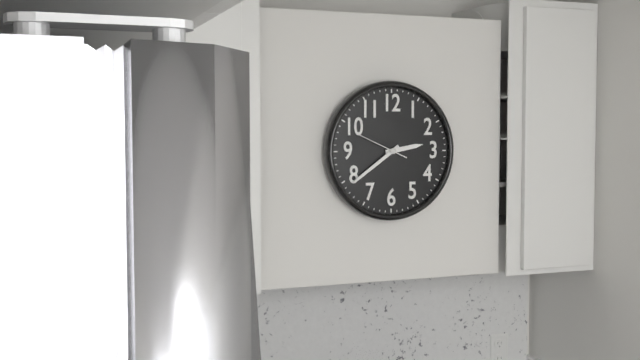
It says 2.39
